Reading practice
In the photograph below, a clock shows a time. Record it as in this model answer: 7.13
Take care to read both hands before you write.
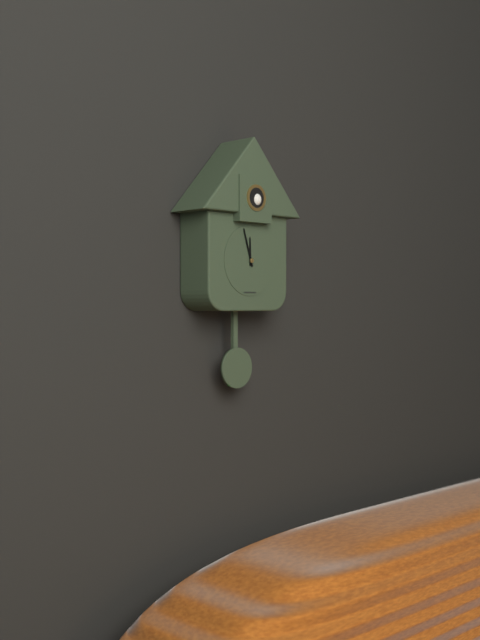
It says 11.57
